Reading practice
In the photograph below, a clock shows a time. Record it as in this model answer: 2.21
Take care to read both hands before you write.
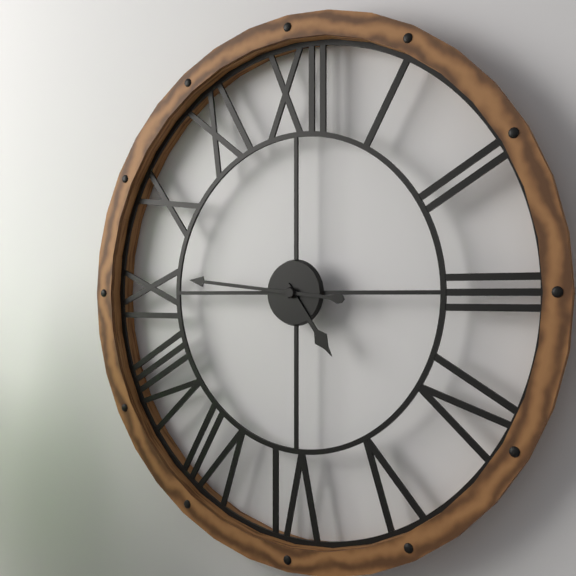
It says 4.46
